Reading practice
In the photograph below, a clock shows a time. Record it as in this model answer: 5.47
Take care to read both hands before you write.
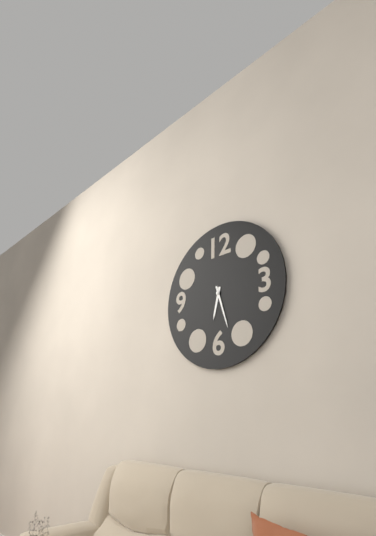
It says 6.27
